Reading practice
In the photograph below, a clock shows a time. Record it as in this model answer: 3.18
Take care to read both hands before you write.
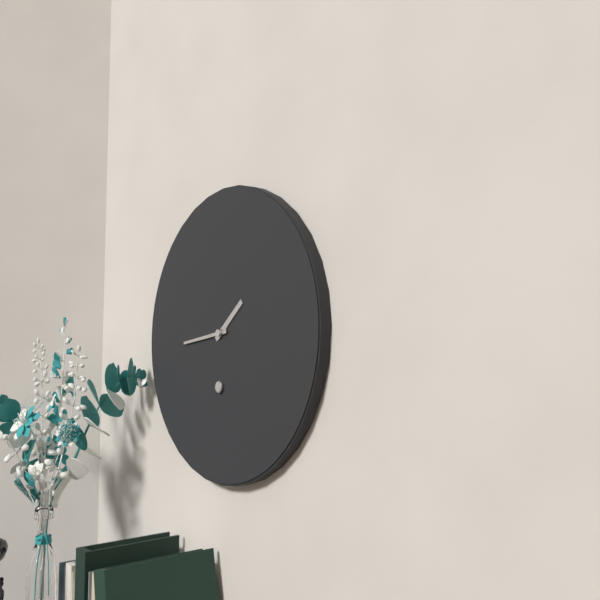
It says 1.44
